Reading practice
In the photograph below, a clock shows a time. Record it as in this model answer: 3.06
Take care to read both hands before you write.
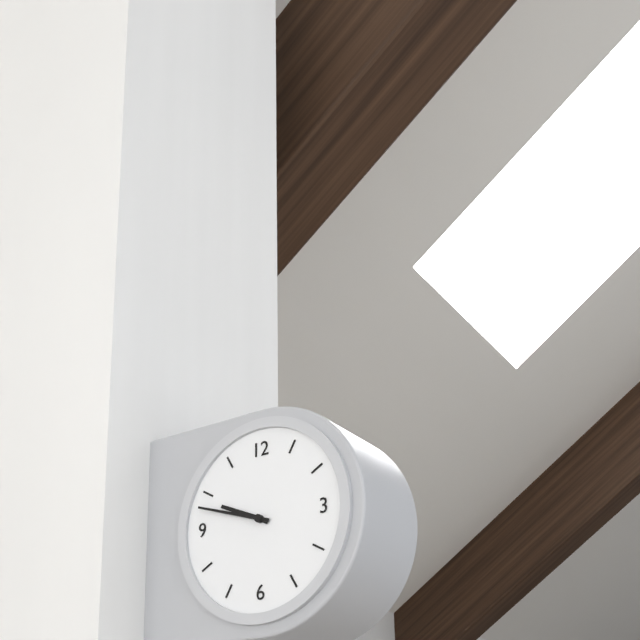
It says 9.48
